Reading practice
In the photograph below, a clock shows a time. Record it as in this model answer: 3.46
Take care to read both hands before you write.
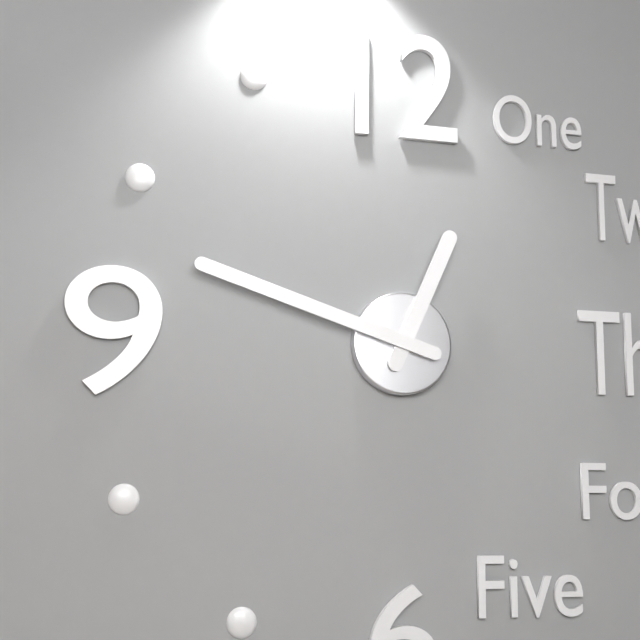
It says 12.48
